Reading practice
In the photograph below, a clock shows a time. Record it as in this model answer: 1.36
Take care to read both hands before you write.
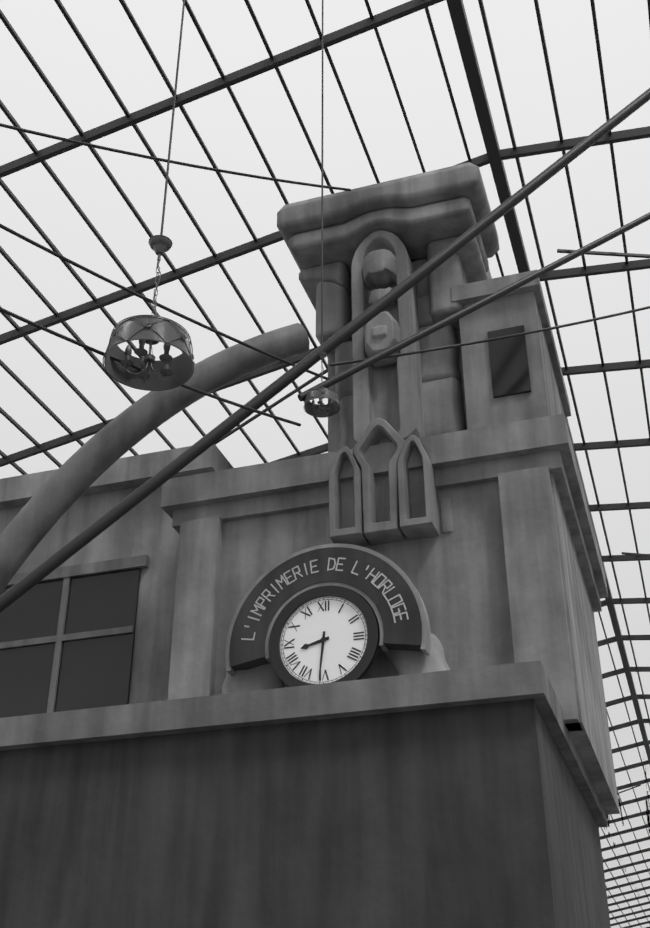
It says 8.31
